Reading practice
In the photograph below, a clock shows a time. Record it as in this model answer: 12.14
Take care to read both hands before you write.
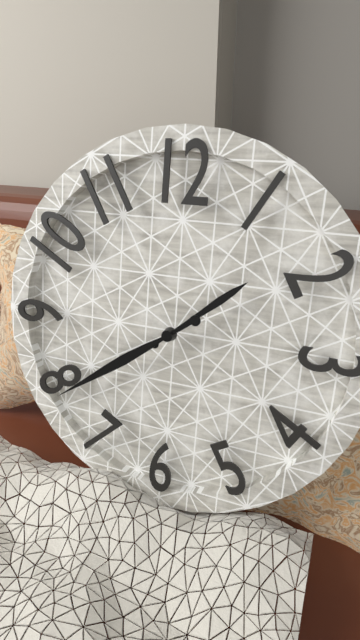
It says 1.39
